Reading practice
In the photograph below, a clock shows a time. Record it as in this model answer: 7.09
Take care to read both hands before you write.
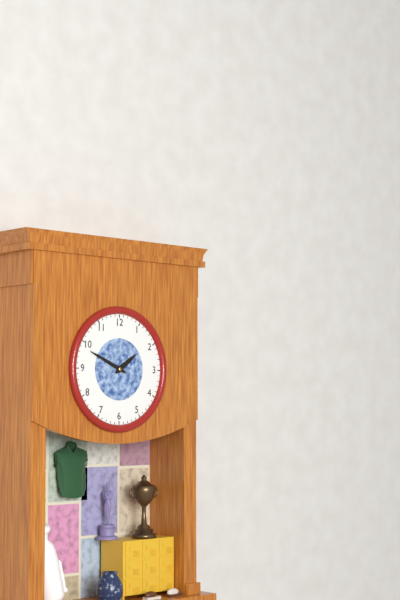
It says 1.49
